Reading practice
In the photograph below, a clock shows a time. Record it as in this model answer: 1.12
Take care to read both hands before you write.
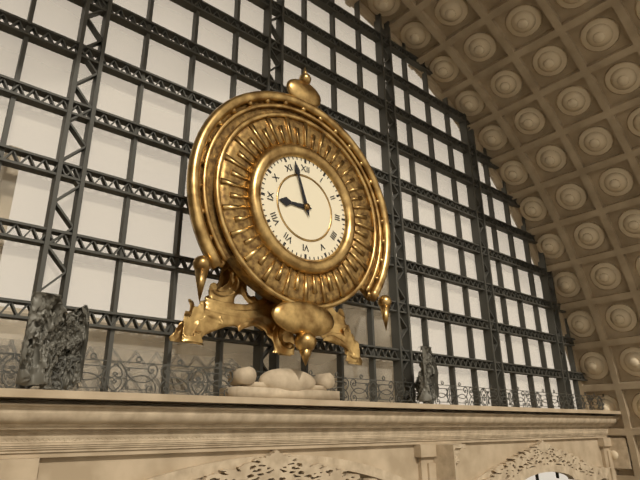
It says 8.57
